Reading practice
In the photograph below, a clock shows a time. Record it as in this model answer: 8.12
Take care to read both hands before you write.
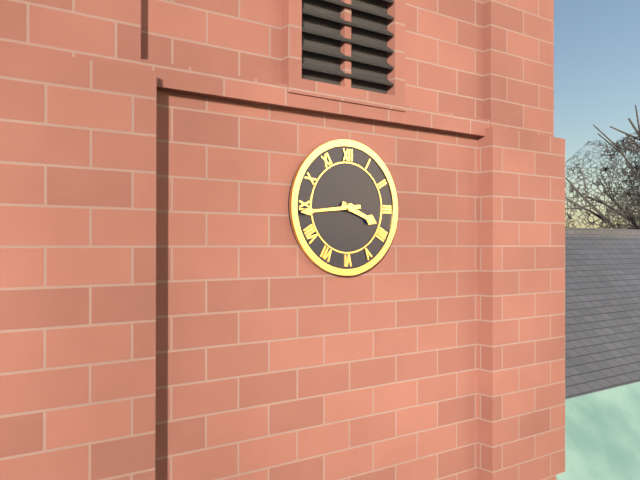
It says 3.44
